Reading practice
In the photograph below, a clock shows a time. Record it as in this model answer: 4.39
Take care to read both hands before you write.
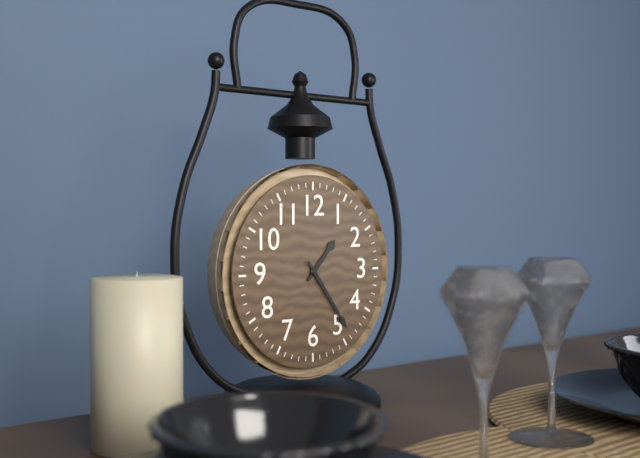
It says 1.24
